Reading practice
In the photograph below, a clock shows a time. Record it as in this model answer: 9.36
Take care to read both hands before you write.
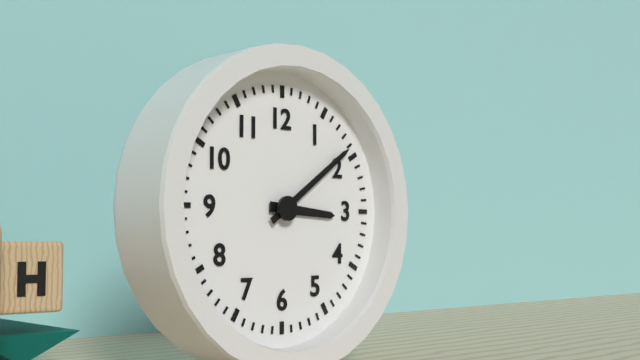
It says 3.09
